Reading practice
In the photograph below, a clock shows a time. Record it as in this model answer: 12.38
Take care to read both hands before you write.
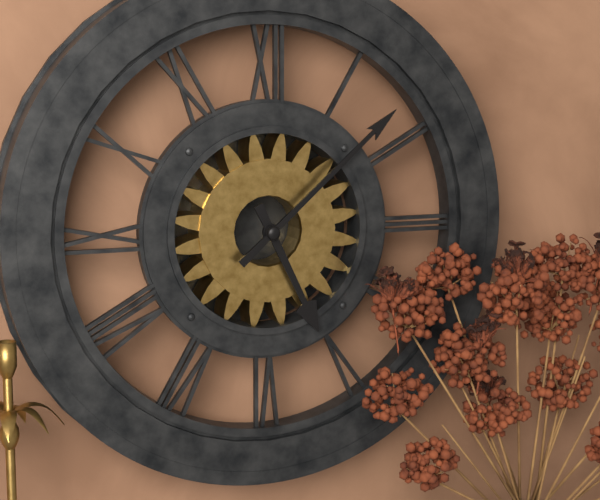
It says 5.08
